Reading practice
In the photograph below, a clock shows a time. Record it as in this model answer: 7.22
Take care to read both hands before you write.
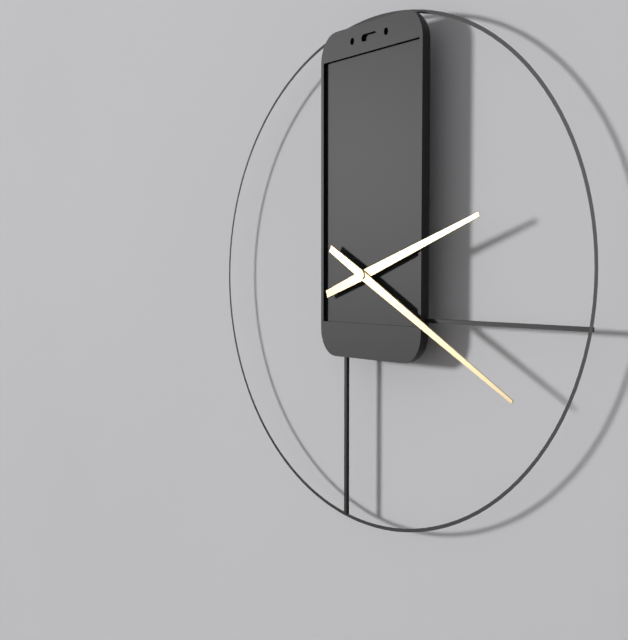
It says 2.20
